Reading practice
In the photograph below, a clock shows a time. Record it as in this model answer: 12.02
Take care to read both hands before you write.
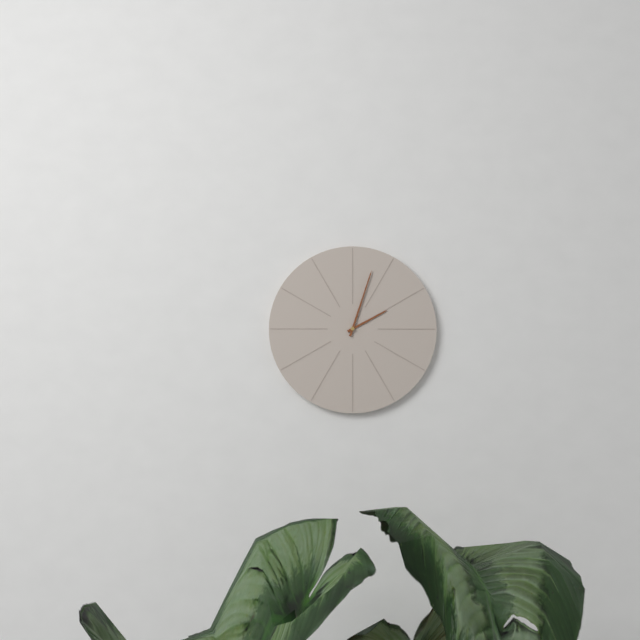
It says 2.03
